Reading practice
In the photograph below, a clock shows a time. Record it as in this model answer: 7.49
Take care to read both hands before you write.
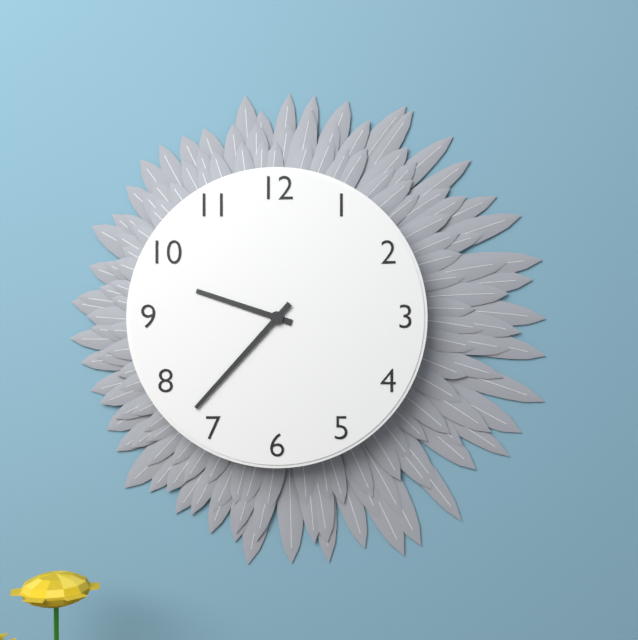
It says 9.37
